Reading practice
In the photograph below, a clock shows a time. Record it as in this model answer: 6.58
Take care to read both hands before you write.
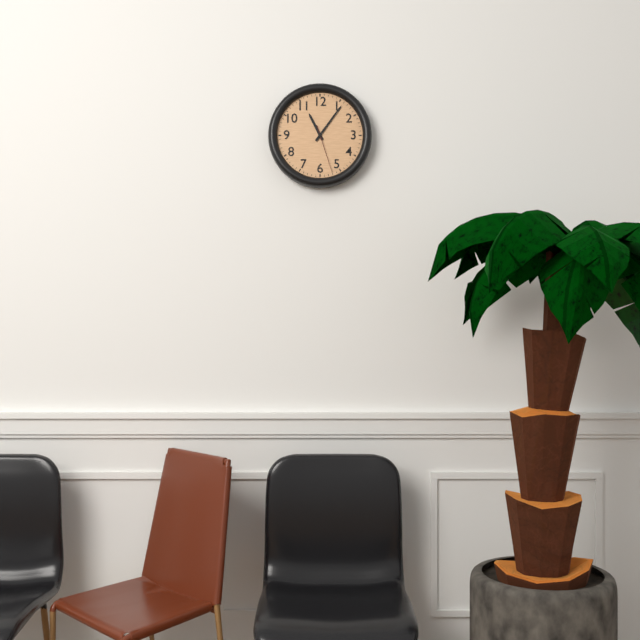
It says 11.06
